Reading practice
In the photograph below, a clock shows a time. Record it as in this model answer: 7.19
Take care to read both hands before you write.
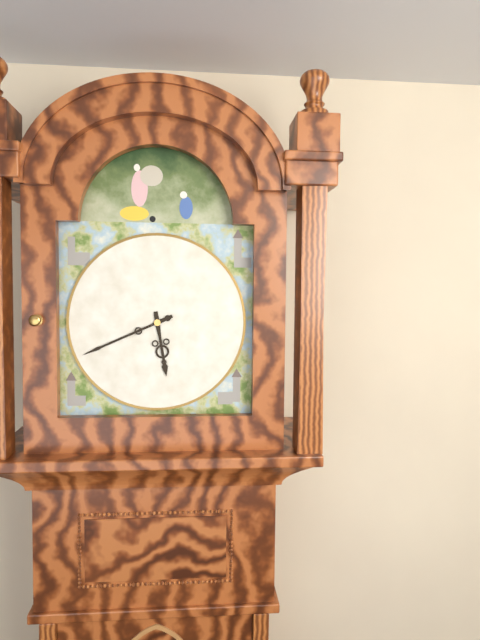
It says 5.41
